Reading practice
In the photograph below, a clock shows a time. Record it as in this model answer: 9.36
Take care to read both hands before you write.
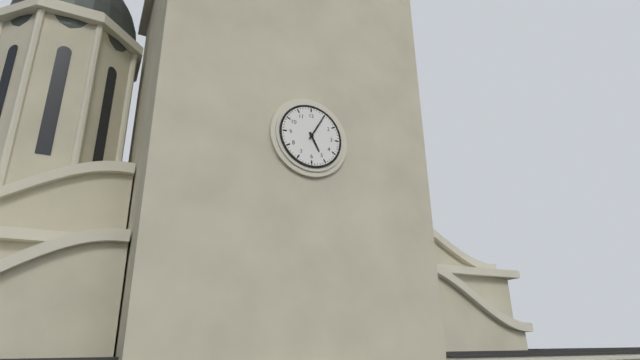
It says 5.05
